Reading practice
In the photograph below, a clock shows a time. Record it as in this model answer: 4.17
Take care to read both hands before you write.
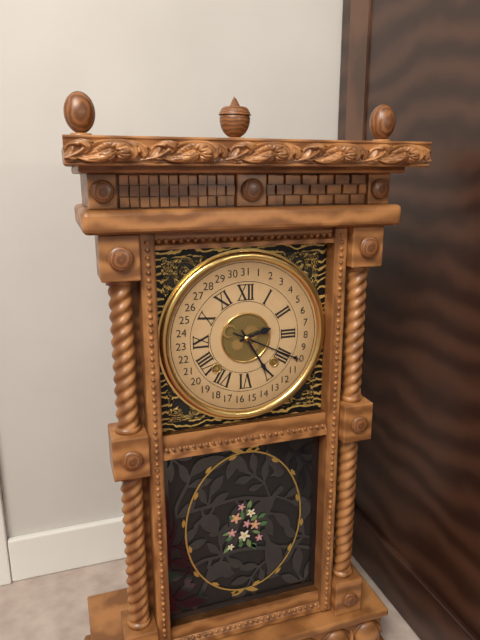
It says 2.25
